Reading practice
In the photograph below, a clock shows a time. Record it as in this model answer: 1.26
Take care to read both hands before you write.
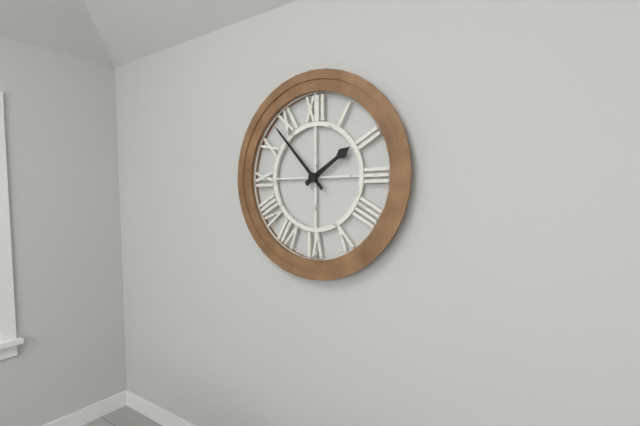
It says 1.53
